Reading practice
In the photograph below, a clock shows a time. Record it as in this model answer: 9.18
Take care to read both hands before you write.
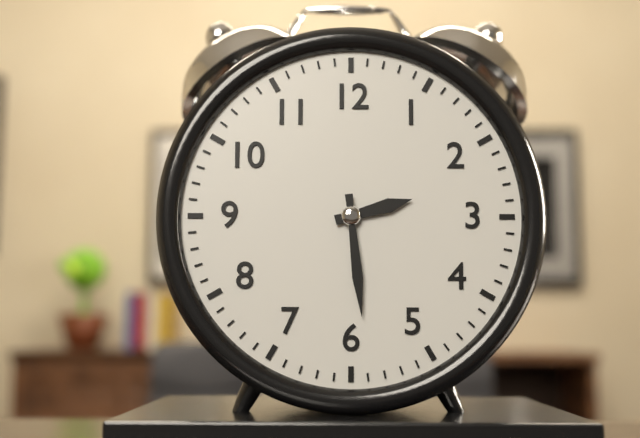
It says 2.29
